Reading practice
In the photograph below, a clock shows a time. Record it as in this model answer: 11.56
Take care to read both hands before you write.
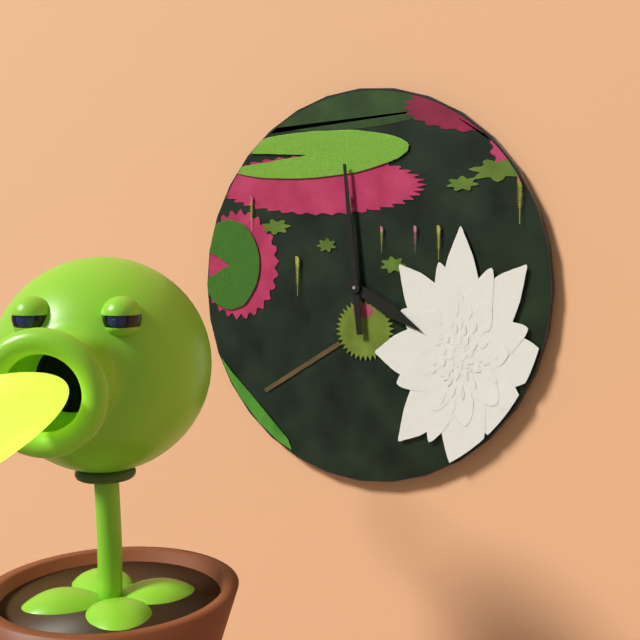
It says 3.59
